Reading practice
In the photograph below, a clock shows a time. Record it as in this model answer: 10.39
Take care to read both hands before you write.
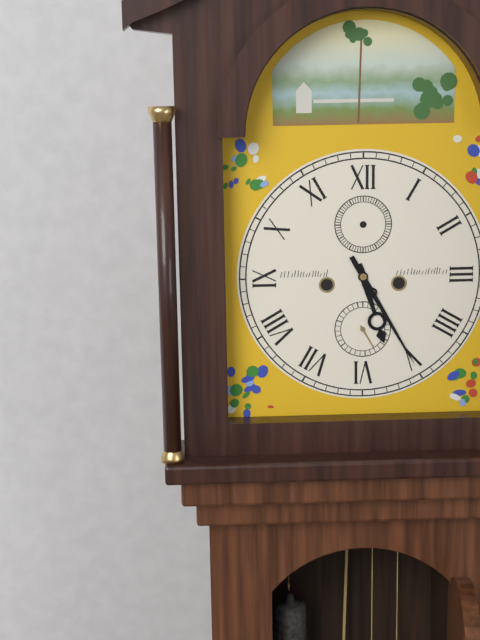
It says 5.25
